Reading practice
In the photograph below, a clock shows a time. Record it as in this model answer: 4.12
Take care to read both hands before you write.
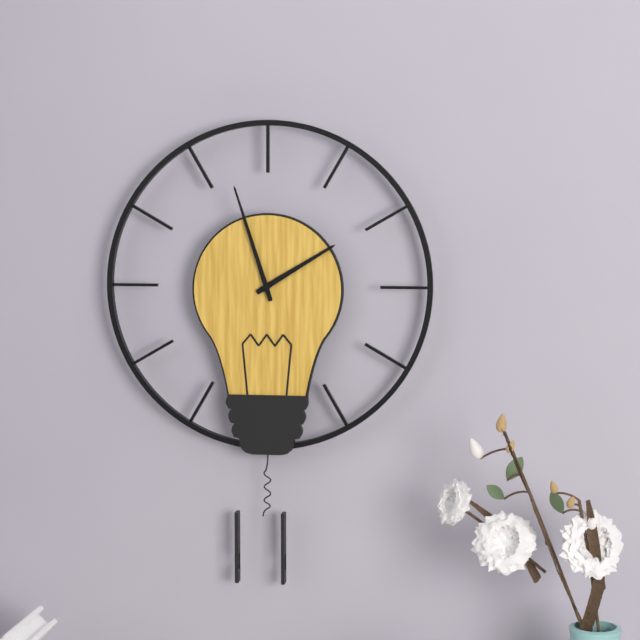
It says 1.57
